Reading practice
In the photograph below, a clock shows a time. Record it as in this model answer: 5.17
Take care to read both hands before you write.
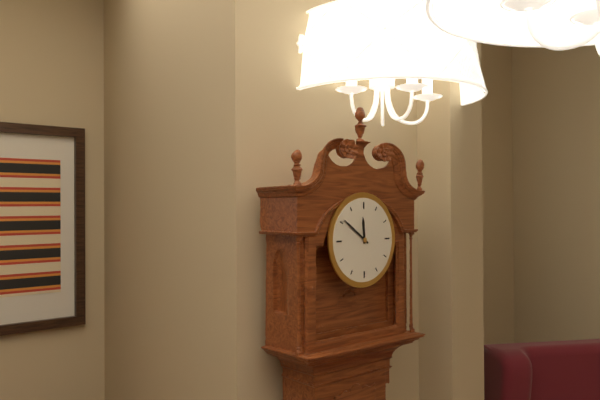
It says 11.51
